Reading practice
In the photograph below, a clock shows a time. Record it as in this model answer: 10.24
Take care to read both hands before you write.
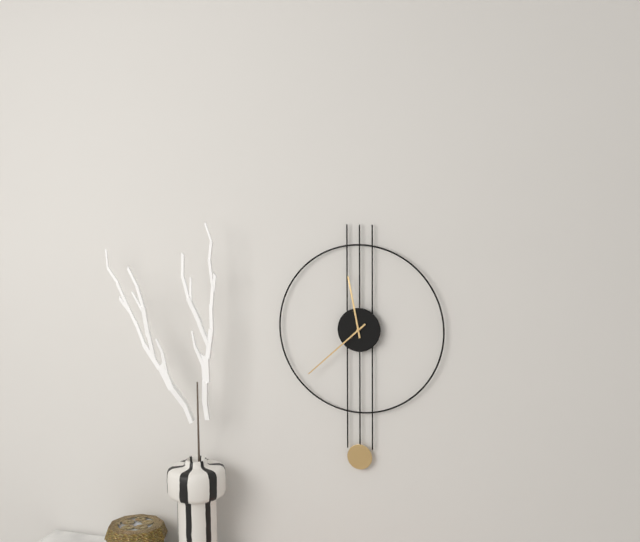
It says 11.38
